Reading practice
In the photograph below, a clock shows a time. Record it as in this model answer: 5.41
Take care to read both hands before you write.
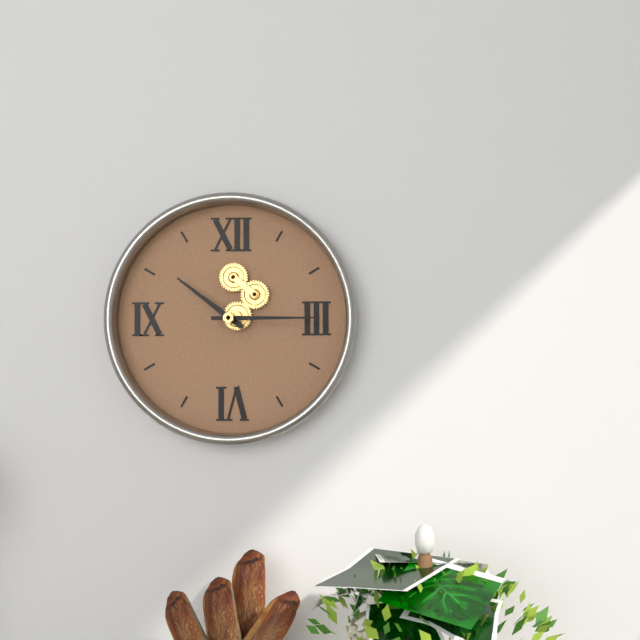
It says 10.15
